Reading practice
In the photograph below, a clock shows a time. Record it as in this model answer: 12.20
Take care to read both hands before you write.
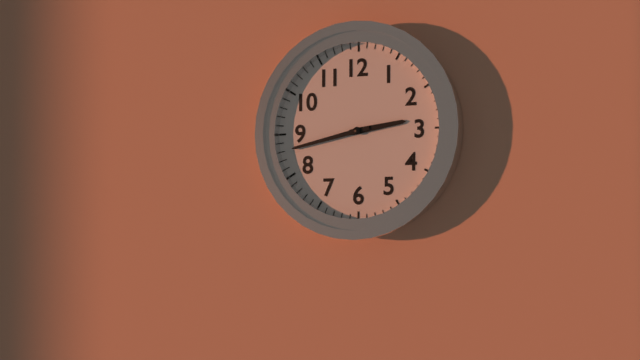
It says 2.43
